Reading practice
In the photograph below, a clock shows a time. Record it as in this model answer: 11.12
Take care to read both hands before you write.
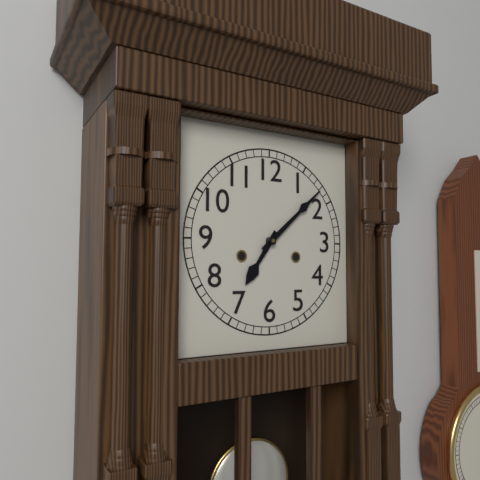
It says 7.08
